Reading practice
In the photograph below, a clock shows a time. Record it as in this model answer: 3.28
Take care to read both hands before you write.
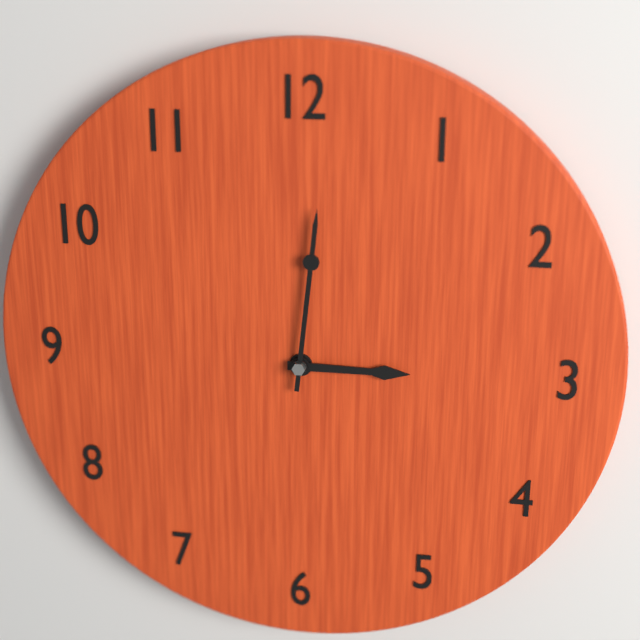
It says 3.01
